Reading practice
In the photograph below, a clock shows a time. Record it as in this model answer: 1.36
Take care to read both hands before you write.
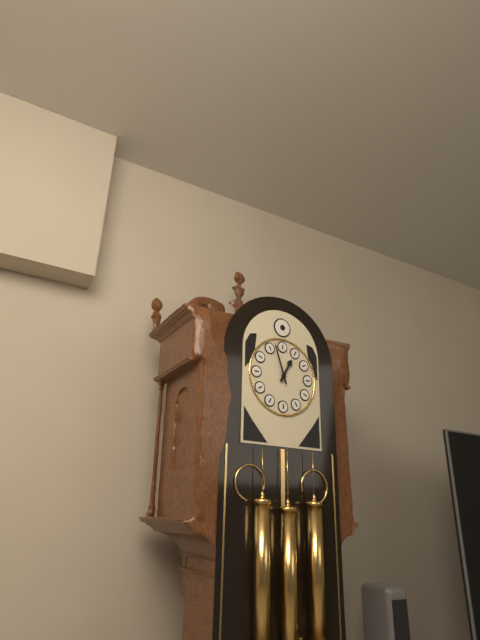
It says 12.57
